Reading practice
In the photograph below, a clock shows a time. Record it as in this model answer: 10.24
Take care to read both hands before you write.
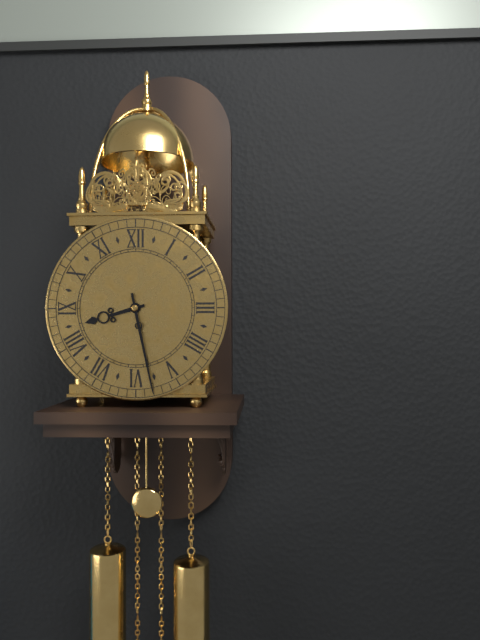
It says 8.28
